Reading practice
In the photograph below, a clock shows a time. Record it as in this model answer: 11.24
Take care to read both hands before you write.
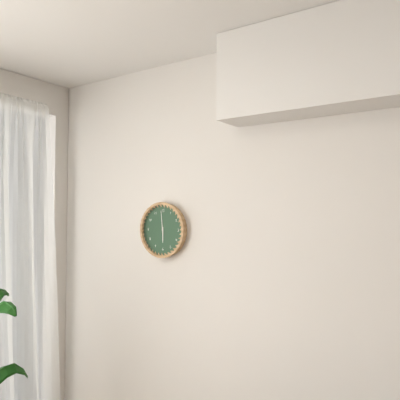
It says 5.59
